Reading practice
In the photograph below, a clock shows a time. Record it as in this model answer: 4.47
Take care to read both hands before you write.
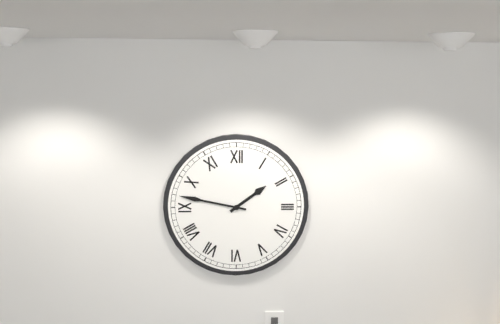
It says 1.47
